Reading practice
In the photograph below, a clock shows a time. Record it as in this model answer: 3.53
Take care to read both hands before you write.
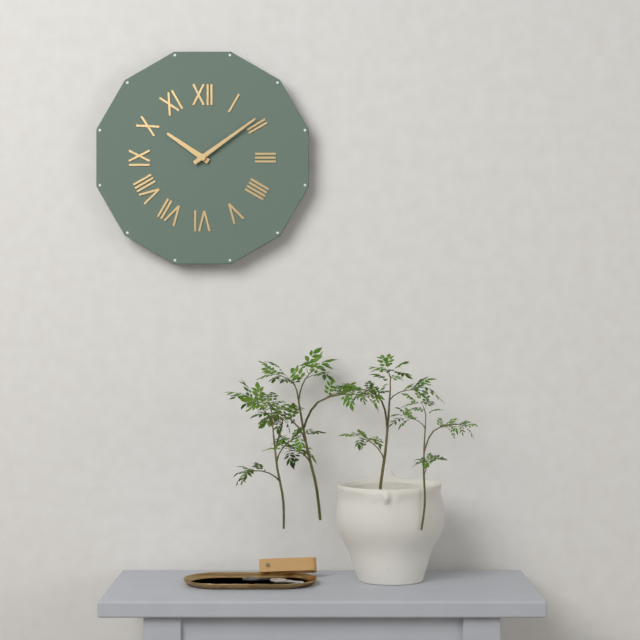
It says 10.09
